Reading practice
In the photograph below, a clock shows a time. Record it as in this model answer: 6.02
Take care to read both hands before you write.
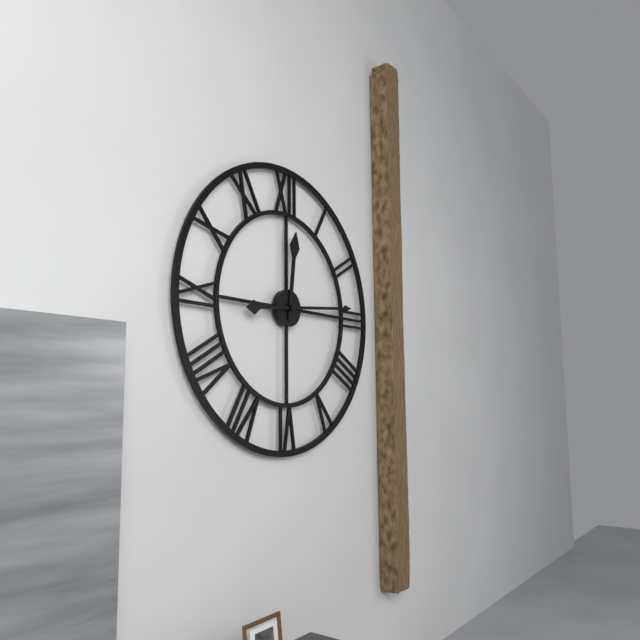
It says 12.14
